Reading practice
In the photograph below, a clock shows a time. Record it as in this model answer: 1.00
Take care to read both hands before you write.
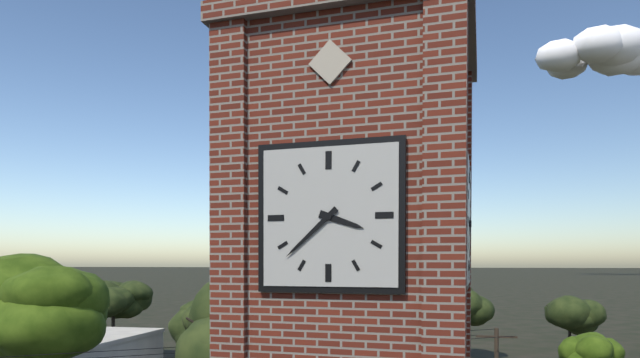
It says 3.38
